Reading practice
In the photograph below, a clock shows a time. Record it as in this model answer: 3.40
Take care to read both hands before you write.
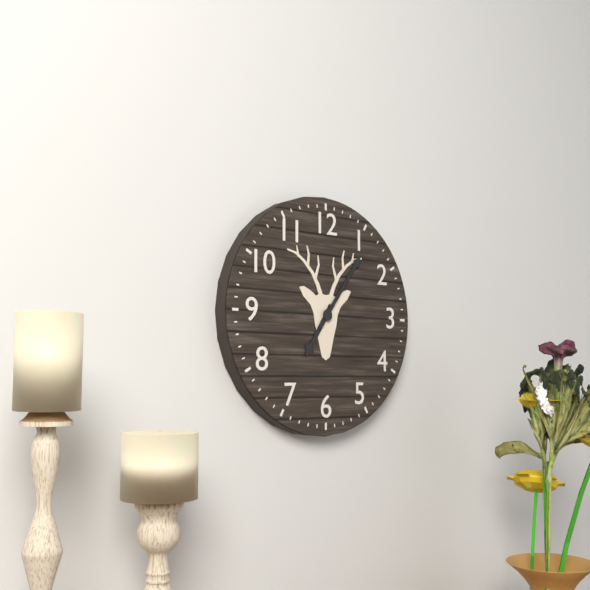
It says 7.06
